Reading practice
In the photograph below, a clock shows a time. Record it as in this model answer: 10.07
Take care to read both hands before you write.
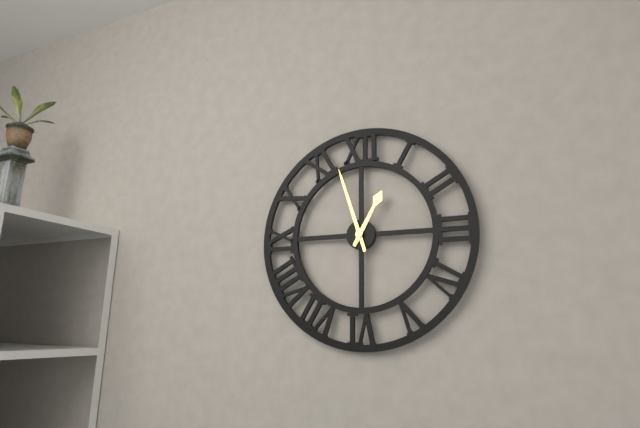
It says 12.57
